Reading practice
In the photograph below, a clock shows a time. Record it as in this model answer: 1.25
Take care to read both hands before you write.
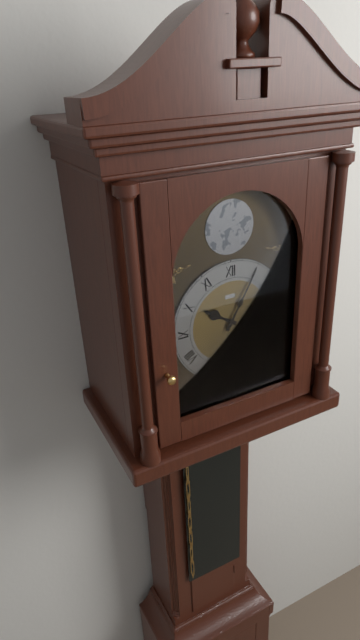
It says 10.05
